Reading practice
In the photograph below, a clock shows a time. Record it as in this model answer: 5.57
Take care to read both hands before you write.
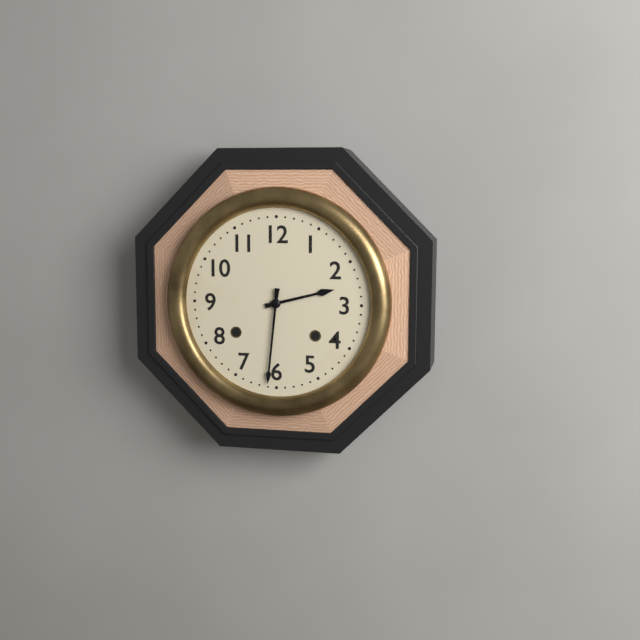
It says 2.31
